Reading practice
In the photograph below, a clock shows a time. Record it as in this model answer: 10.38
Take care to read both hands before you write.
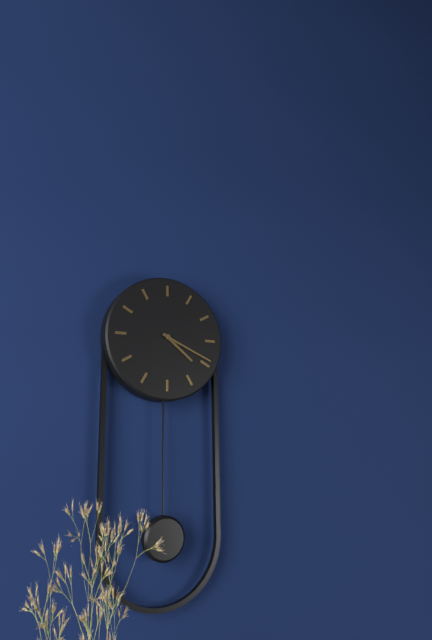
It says 4.19
